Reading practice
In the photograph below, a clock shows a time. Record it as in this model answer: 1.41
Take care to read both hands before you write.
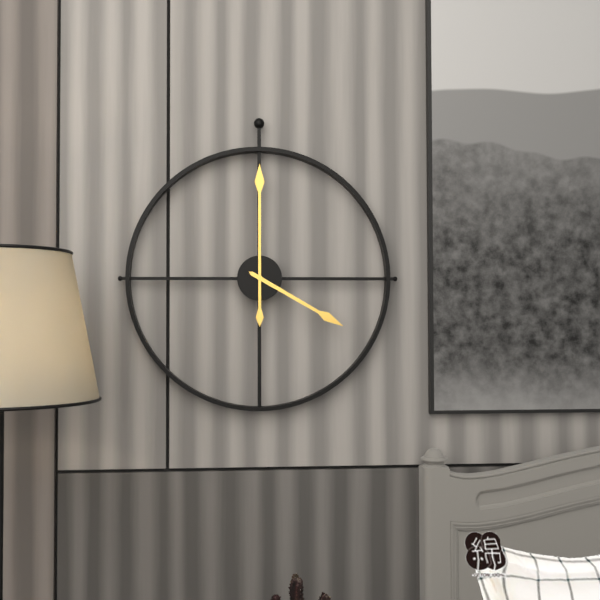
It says 4.00
